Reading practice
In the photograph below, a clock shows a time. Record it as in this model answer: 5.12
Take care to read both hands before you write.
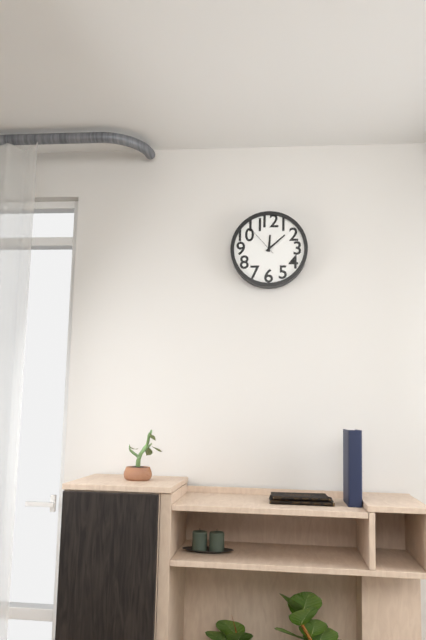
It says 12.08
